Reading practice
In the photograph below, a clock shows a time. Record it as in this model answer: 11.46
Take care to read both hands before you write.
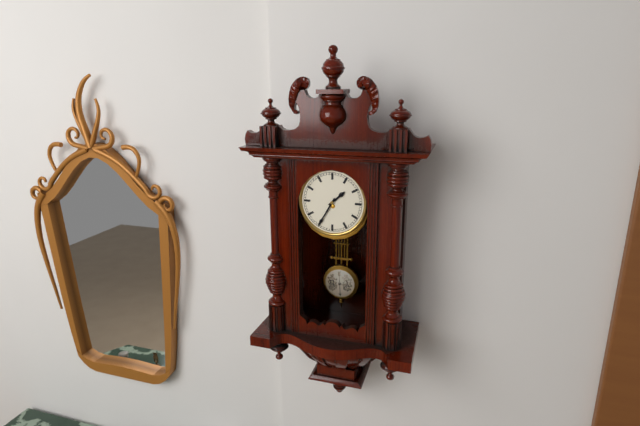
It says 1.35
